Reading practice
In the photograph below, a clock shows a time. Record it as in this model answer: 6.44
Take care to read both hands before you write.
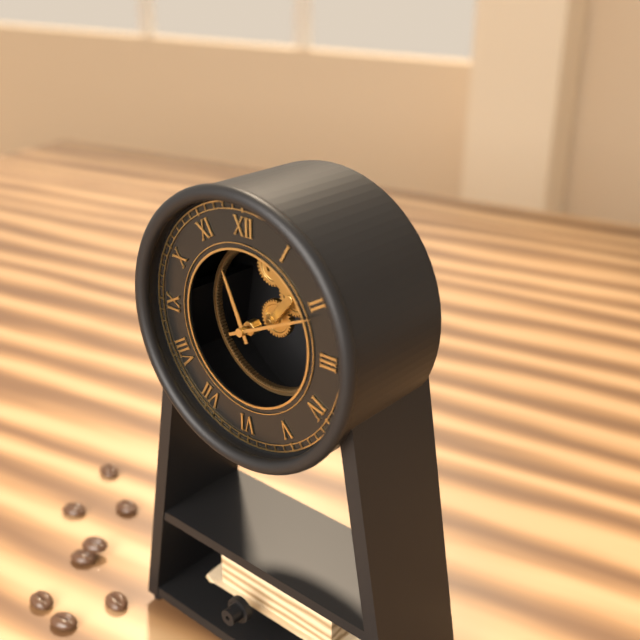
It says 11.11
